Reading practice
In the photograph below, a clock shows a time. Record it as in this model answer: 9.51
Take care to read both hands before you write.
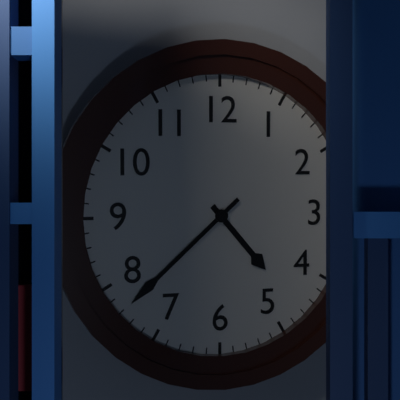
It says 4.38
